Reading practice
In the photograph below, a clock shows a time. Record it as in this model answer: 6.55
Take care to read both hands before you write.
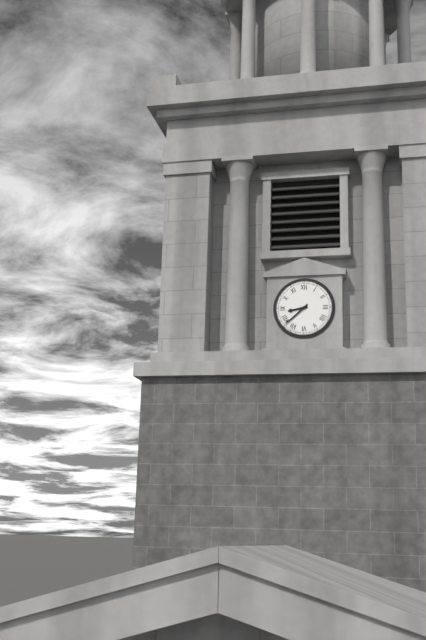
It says 8.38
